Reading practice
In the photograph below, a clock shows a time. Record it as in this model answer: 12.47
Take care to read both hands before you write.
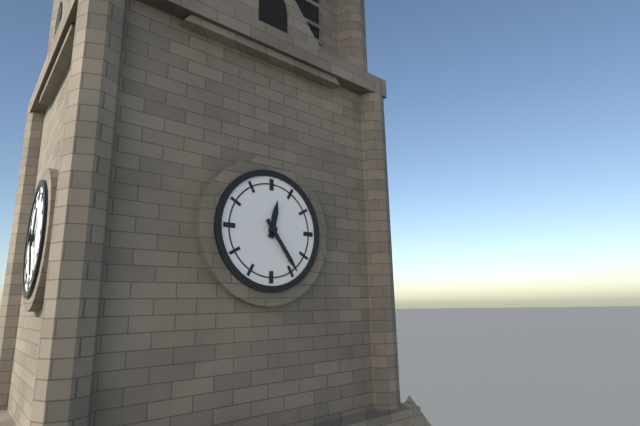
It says 12.24
